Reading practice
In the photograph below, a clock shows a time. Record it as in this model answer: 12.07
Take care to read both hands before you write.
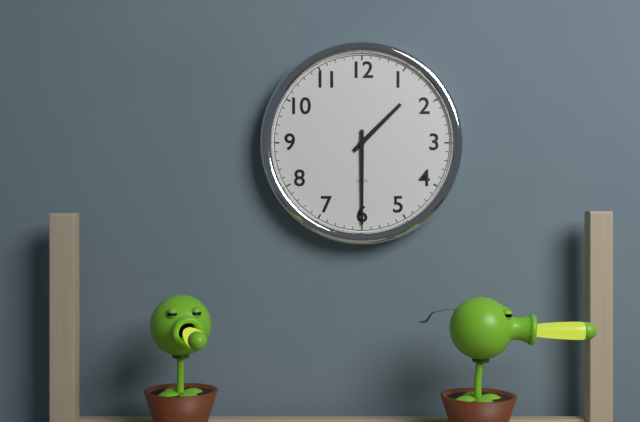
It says 1.30
